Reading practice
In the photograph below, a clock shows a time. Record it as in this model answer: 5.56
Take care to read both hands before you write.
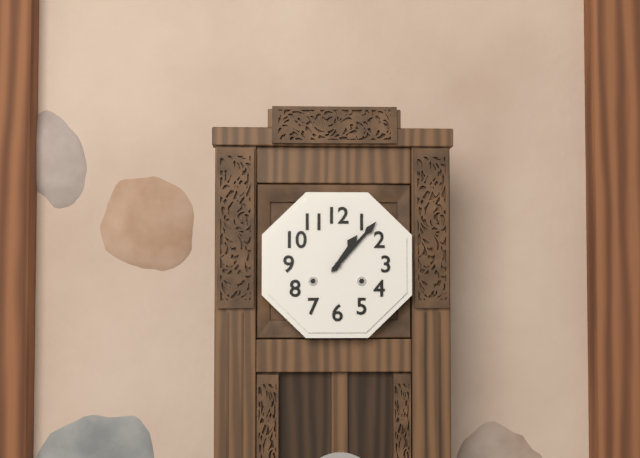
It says 1.07
